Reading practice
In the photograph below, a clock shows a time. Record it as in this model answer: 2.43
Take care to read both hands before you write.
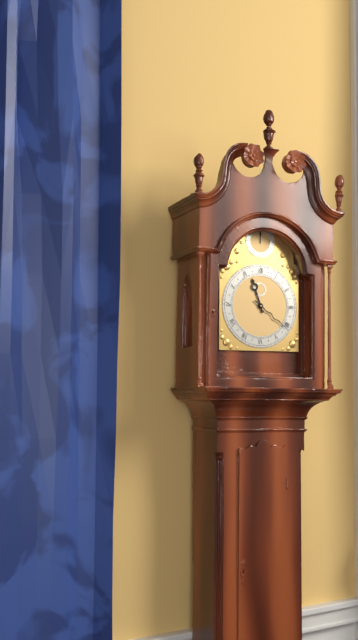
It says 11.21
